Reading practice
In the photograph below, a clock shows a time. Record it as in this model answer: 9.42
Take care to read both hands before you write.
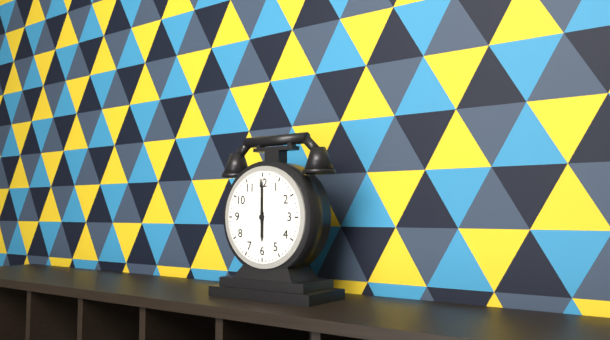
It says 6.00
